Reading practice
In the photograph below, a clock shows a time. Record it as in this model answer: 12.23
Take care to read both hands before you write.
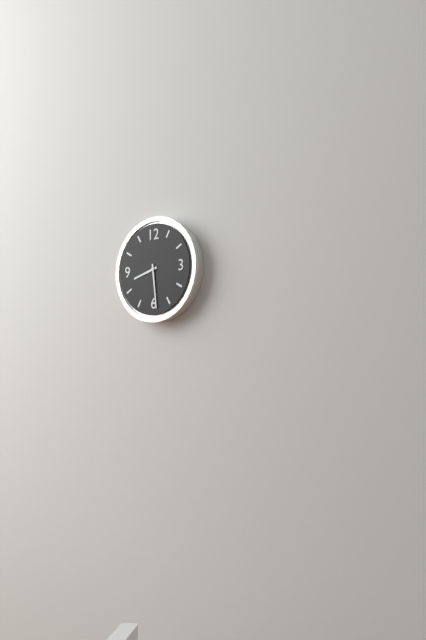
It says 8.29
